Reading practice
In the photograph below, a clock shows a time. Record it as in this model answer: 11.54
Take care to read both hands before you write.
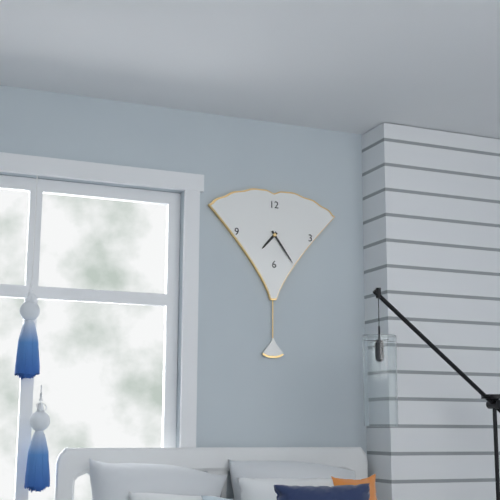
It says 7.24
